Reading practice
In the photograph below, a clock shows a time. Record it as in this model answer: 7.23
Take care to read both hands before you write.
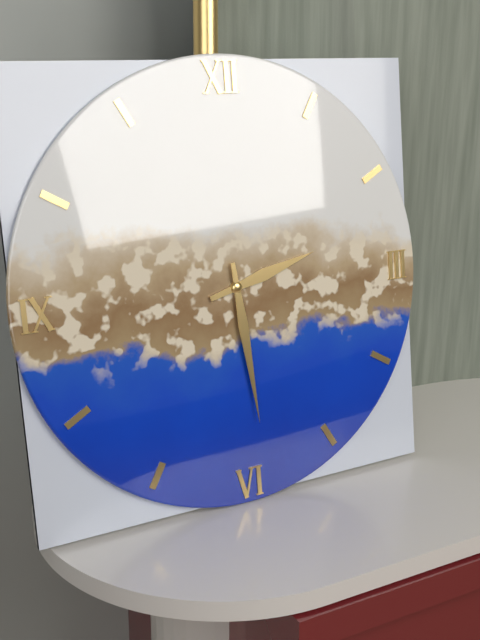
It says 2.29
